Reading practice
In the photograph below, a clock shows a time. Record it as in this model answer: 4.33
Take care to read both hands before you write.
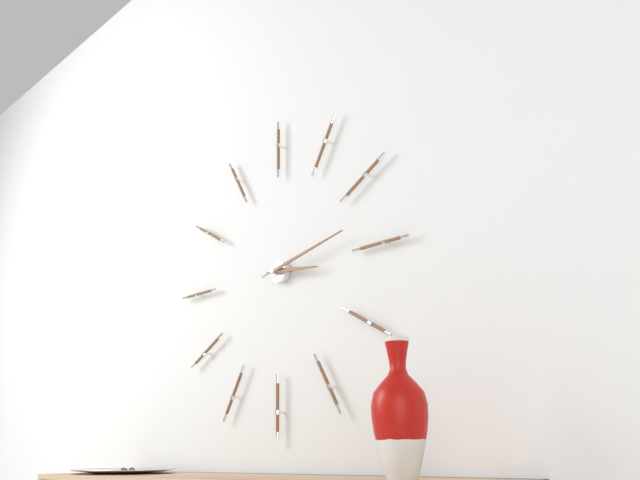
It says 3.13
